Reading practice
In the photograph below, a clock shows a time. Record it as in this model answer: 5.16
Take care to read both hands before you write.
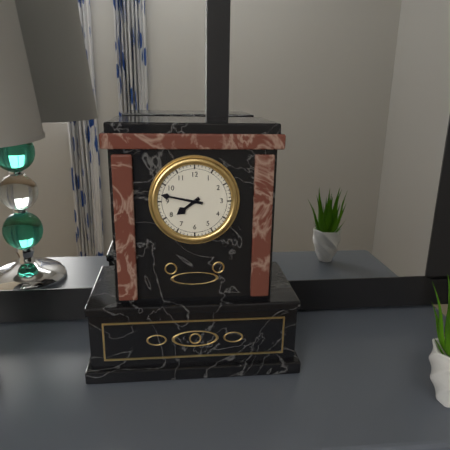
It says 7.47
